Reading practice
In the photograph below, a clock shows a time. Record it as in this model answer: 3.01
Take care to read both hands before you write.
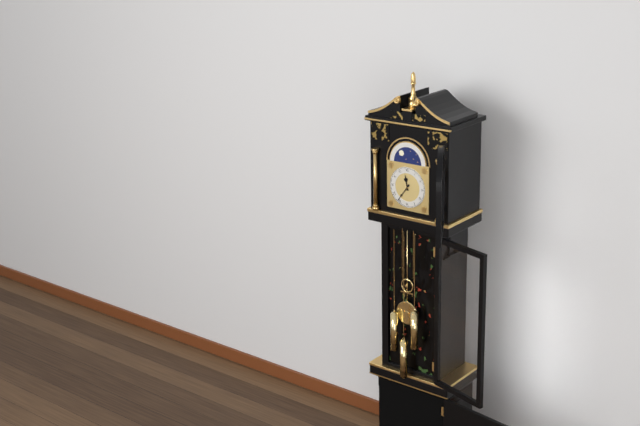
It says 11.36
